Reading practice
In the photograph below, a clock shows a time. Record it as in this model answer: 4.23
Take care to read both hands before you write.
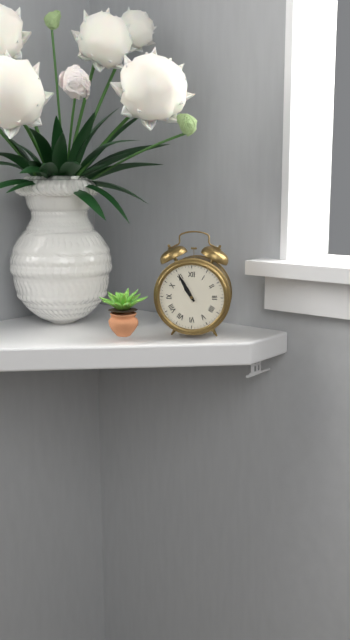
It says 10.55
